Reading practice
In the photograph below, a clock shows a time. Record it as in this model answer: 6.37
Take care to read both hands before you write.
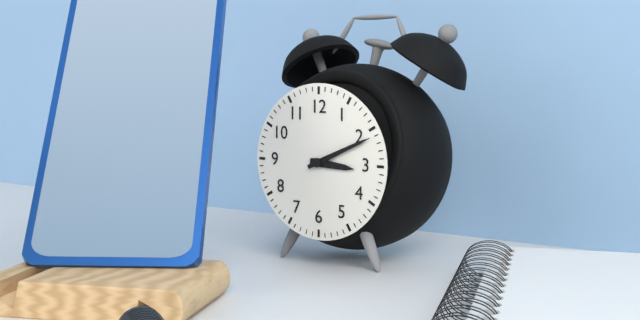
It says 3.11
